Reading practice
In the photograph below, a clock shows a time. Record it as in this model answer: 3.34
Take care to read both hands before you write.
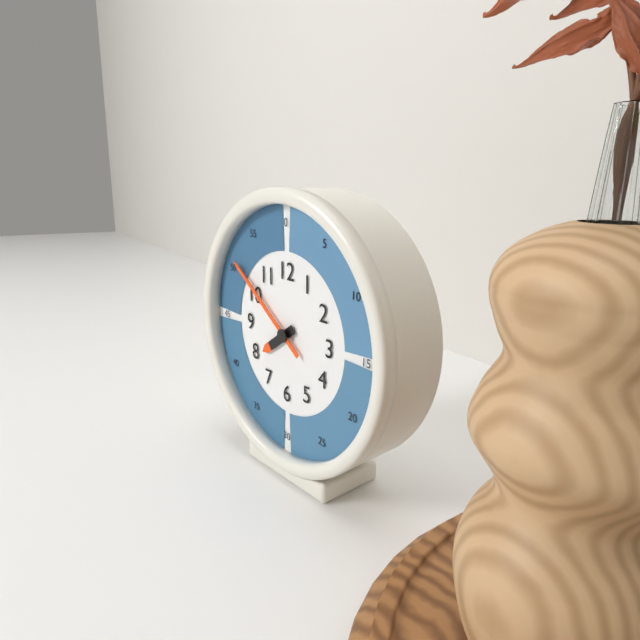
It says 7.51
